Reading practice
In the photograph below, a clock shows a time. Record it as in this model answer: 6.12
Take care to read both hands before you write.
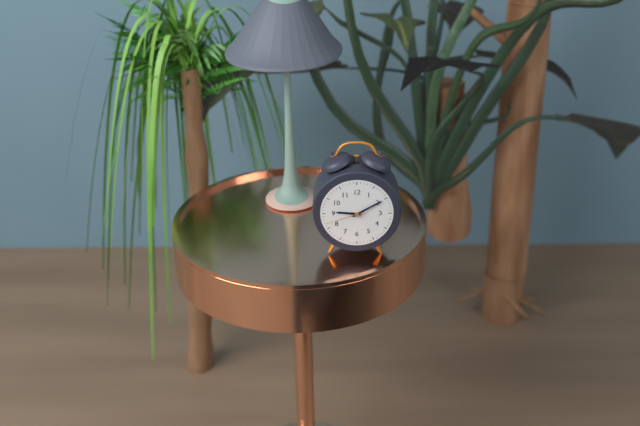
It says 9.10
